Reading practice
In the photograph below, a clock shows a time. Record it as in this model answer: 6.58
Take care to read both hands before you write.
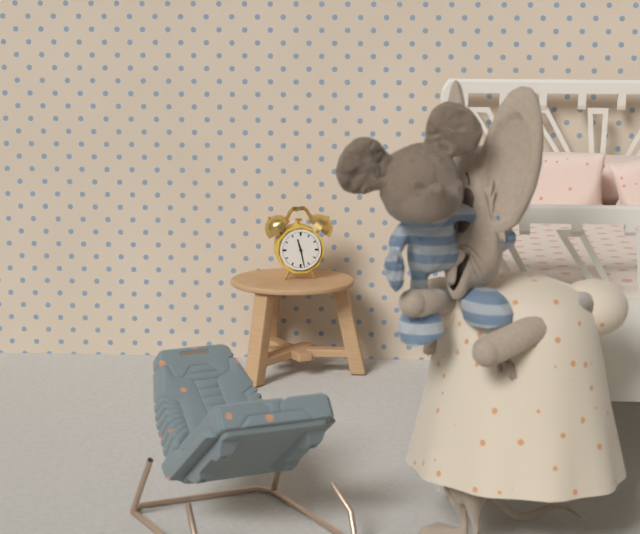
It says 11.28
